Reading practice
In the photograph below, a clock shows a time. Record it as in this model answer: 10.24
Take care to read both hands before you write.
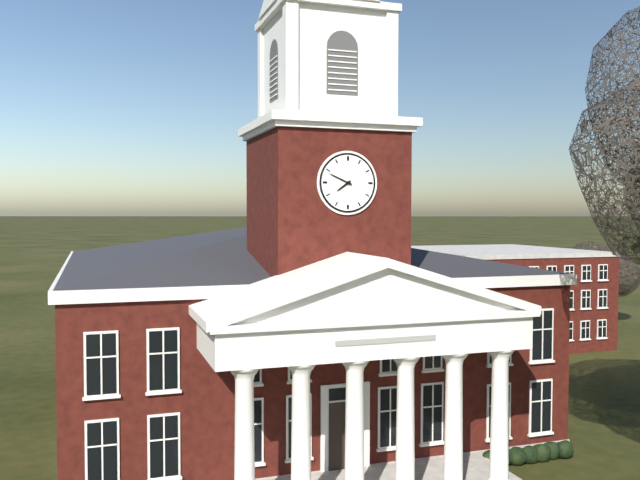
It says 7.49
